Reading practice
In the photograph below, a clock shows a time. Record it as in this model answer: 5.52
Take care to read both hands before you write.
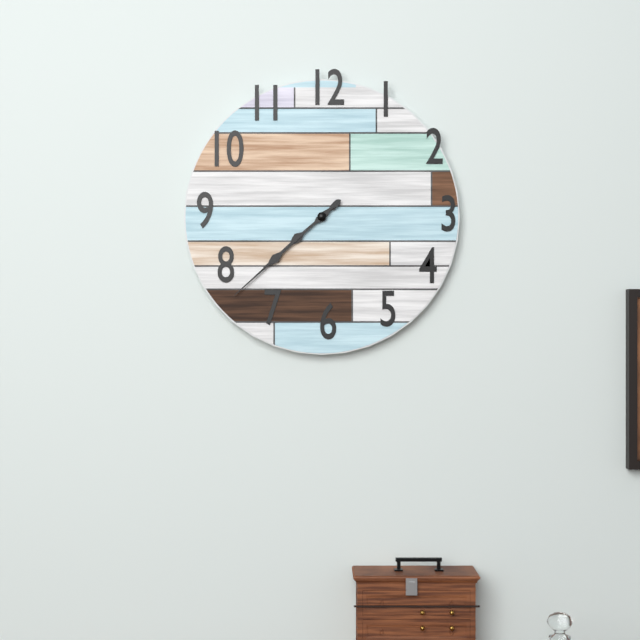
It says 7.38
